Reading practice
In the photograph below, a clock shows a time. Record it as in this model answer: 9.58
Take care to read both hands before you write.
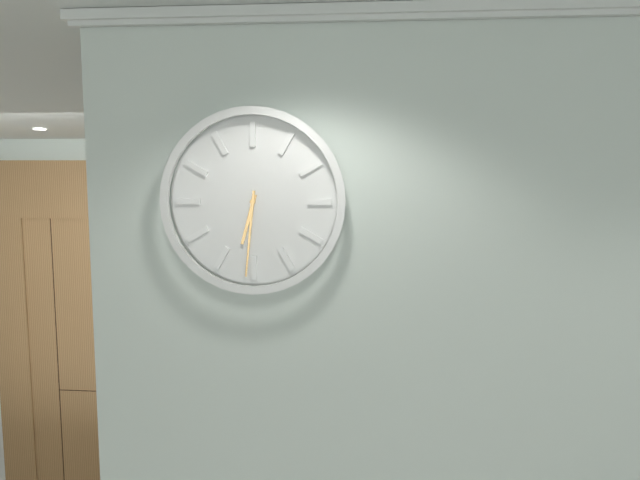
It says 6.31
